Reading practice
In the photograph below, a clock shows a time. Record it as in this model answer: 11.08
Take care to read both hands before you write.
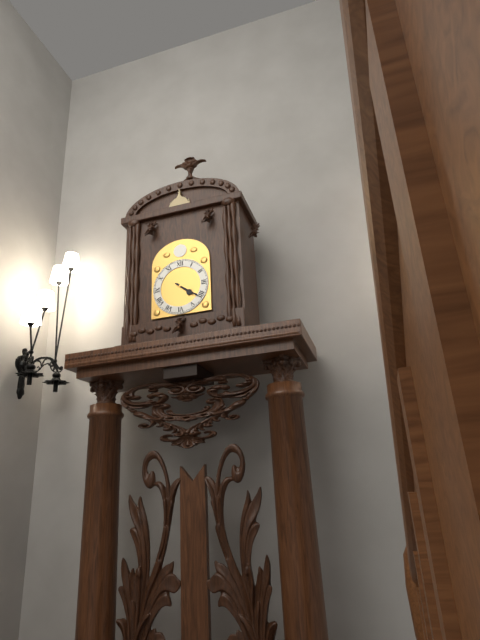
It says 4.21
